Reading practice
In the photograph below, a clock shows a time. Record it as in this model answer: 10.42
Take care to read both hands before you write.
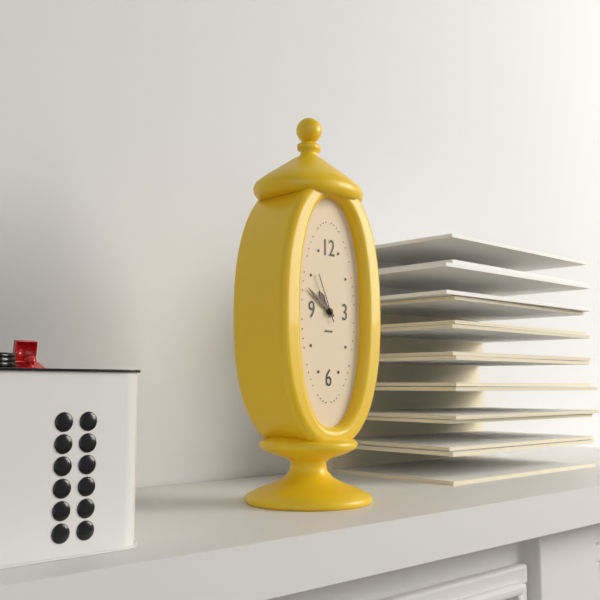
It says 10.51
